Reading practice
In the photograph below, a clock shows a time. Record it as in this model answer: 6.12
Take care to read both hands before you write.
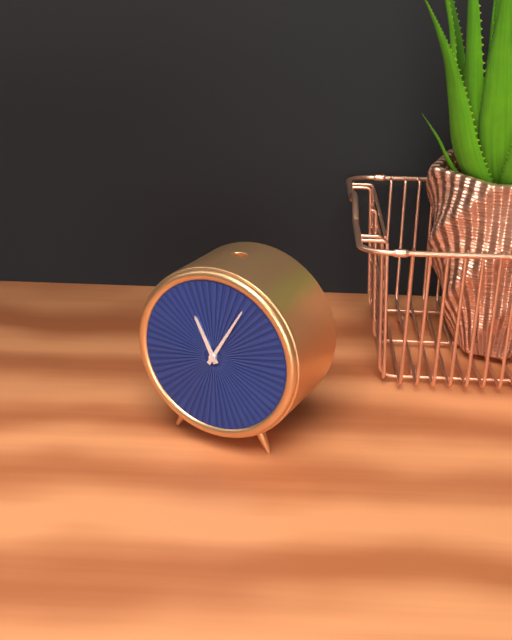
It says 11.05
